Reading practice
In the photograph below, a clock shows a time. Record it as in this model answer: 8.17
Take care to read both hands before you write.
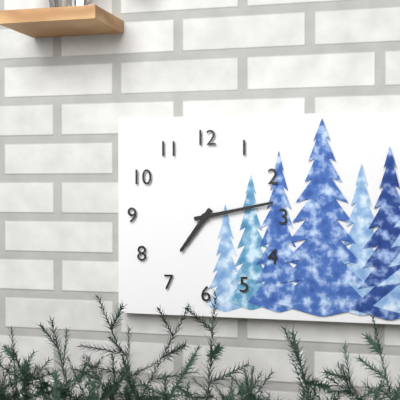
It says 7.13
